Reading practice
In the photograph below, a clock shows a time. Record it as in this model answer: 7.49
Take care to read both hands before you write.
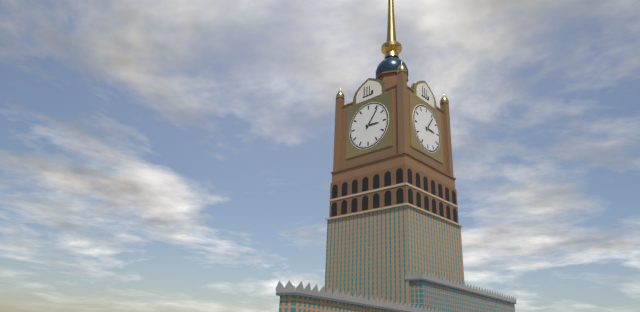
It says 3.06
